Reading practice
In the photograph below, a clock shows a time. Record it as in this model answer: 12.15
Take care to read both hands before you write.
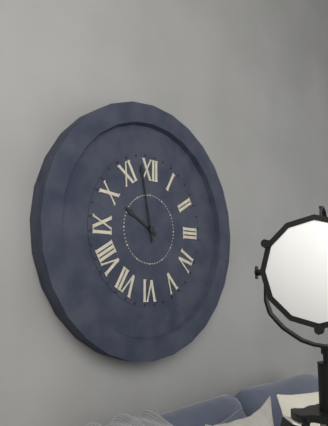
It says 9.58
